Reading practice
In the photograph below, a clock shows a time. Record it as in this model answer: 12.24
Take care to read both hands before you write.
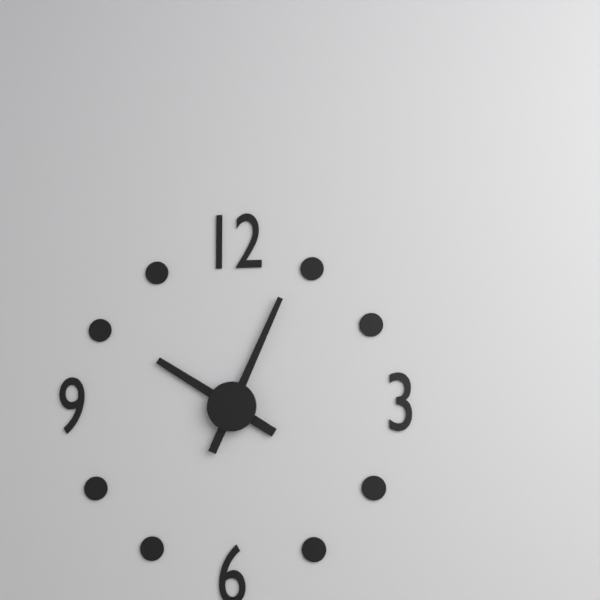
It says 10.04
